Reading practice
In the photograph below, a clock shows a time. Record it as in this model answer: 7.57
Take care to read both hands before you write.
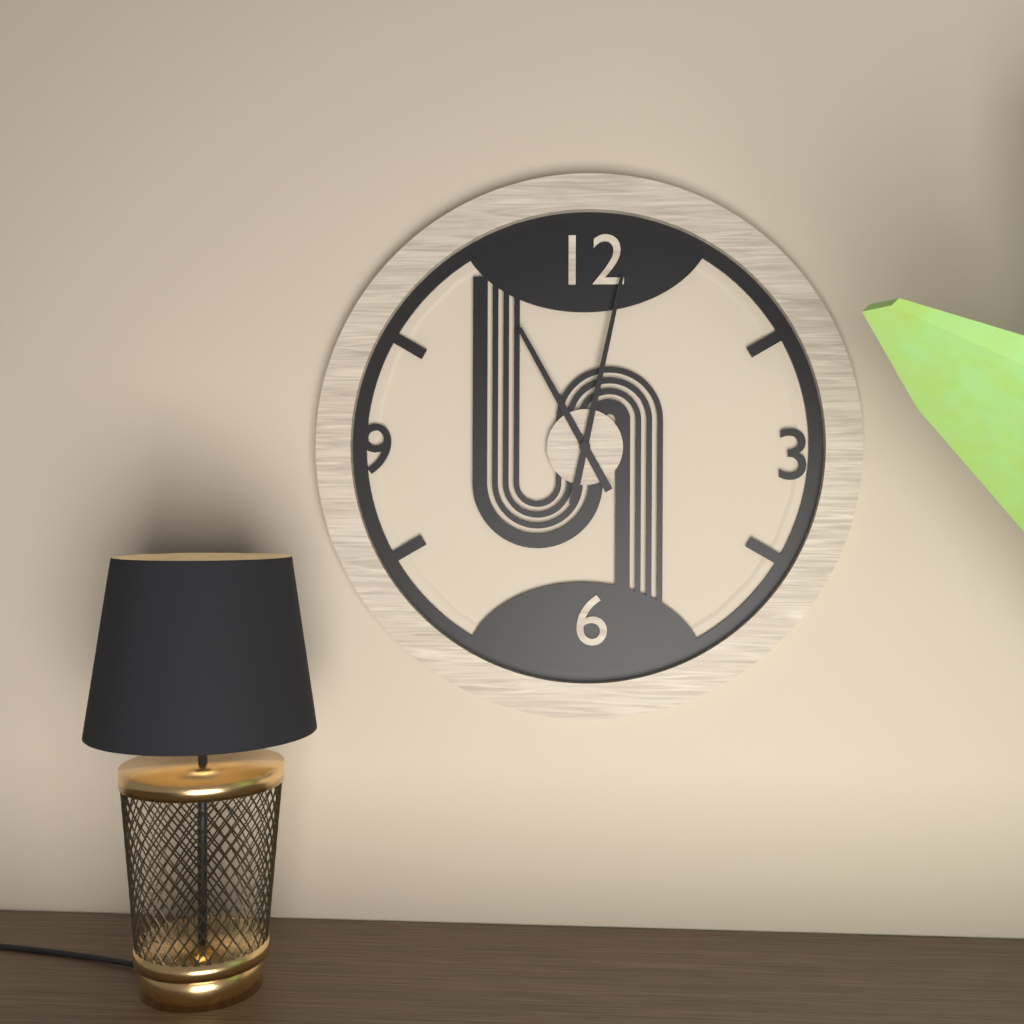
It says 11.02
